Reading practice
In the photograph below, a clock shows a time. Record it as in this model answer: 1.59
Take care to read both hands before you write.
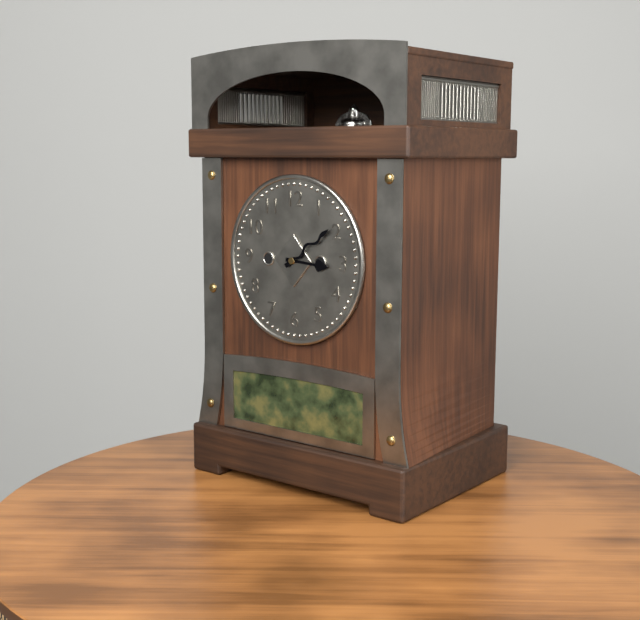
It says 3.09
